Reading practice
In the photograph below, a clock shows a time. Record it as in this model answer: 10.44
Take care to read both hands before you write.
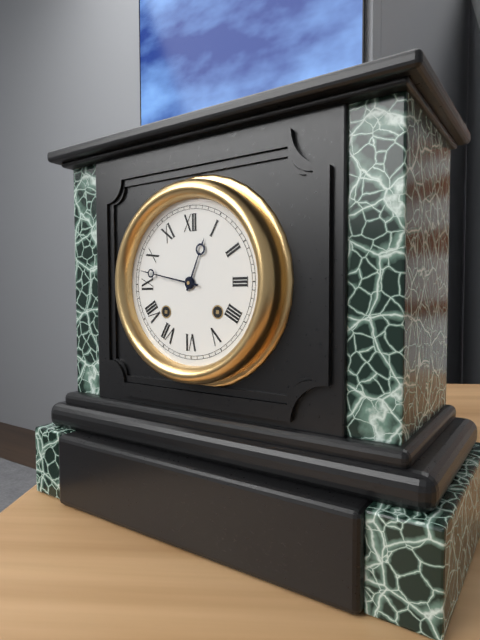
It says 12.47
